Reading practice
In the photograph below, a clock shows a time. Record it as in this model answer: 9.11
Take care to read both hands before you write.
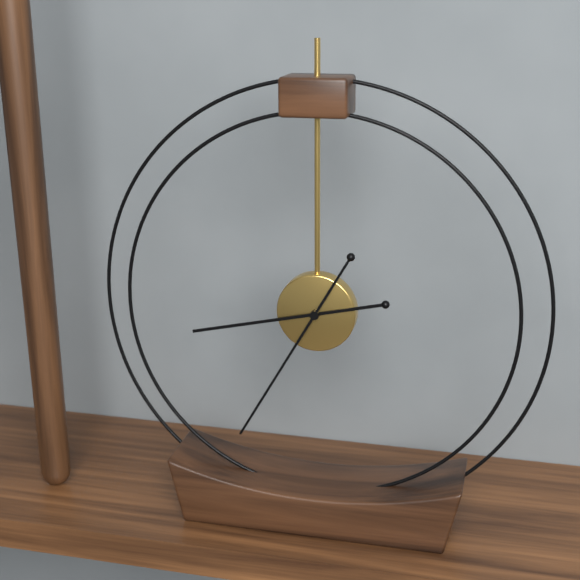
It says 8.35
